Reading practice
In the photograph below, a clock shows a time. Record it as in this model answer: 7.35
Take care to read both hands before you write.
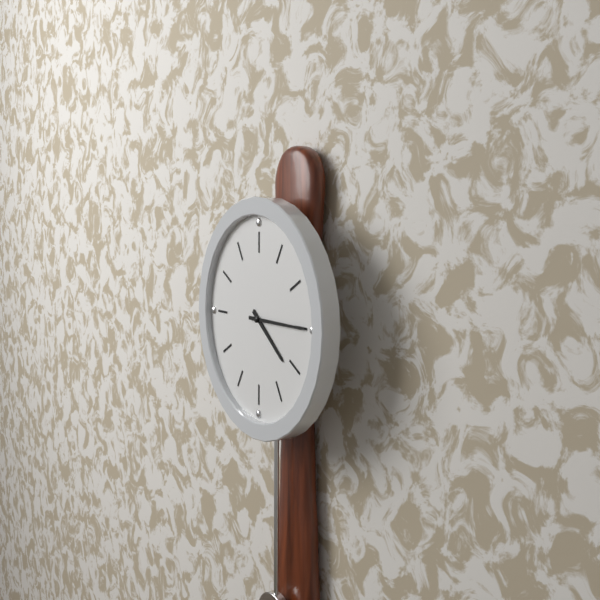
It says 4.15
